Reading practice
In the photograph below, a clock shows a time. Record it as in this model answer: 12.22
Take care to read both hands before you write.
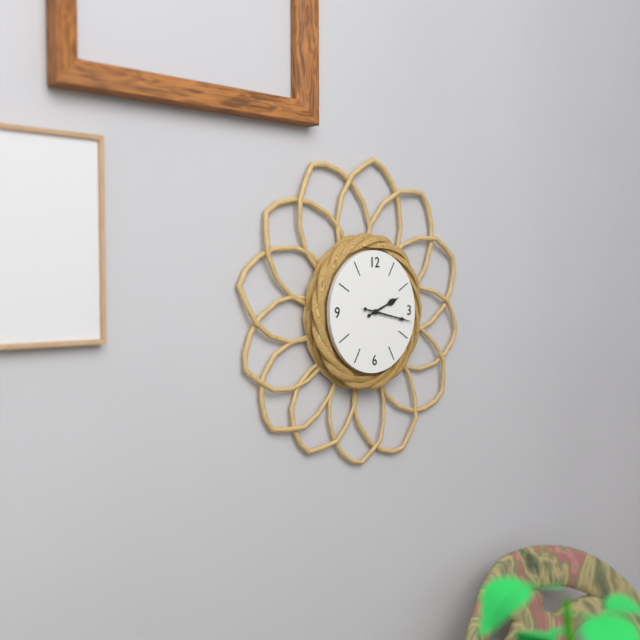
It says 2.17
